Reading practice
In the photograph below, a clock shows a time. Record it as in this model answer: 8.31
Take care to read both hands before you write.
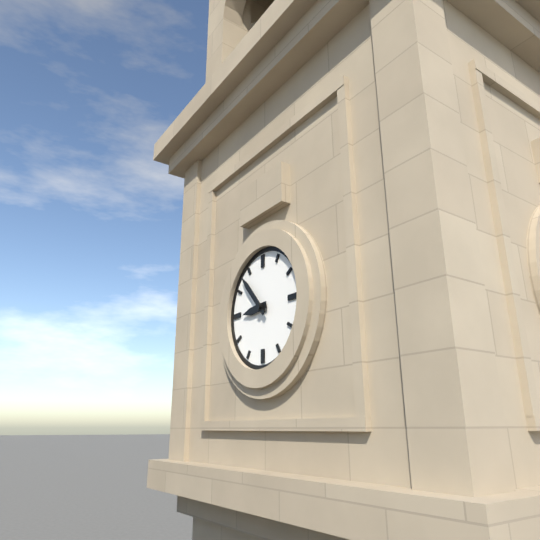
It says 8.53
